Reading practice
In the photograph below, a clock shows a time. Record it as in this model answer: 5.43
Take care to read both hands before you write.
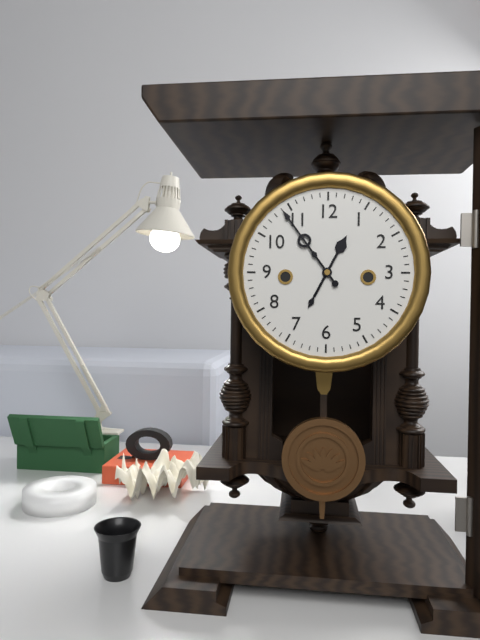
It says 12.54
